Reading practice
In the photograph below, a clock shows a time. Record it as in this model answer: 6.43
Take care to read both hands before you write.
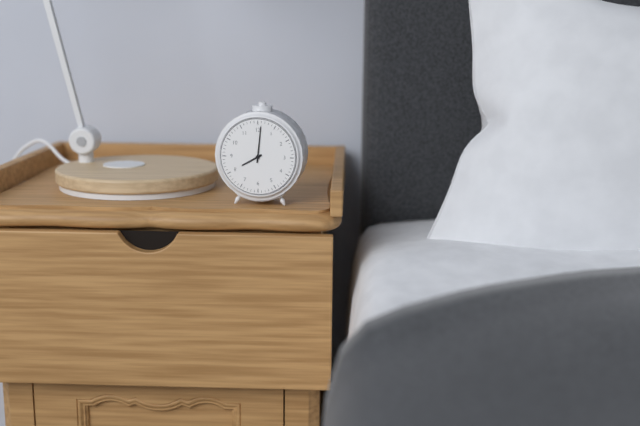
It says 8.01
